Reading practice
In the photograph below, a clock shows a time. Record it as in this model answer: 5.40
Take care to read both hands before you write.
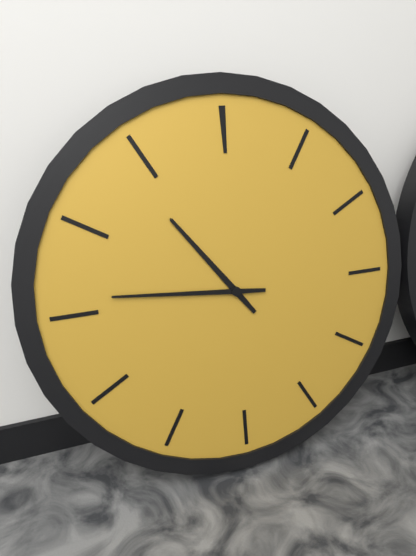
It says 10.46
